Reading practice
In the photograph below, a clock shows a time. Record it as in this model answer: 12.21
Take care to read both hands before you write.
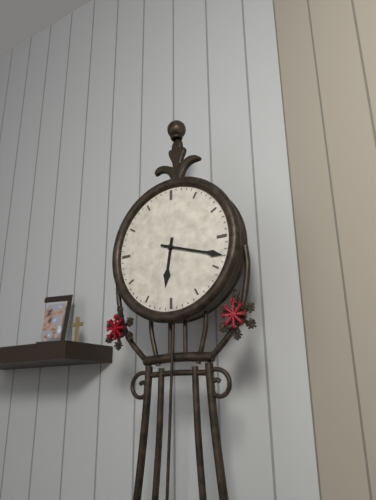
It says 6.18
